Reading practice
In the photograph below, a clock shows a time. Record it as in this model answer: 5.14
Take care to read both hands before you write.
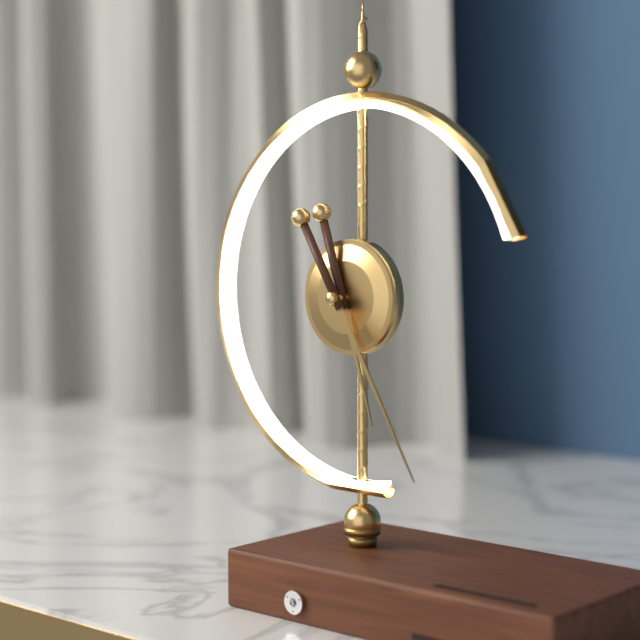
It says 5.25
